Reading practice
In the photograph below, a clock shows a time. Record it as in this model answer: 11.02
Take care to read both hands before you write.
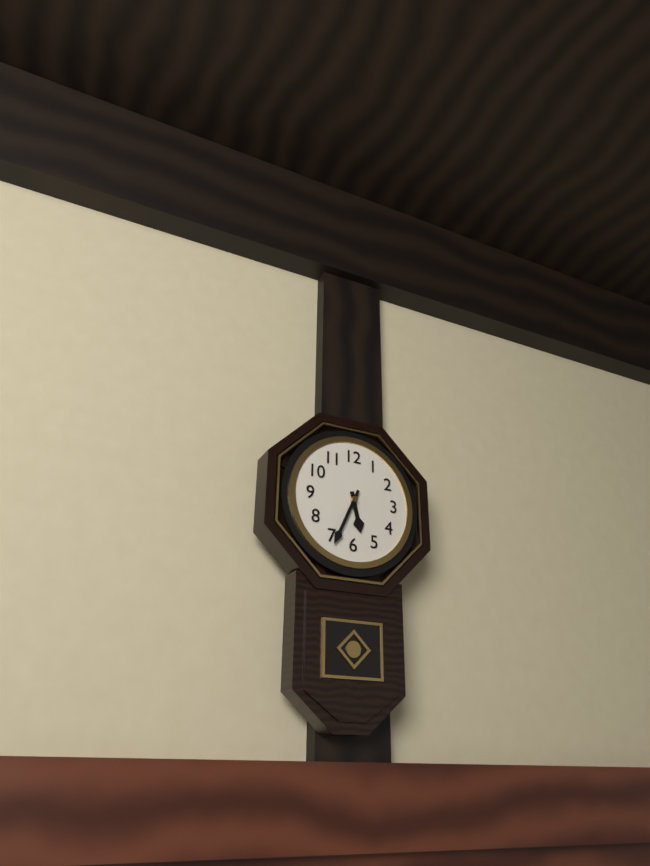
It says 5.34
